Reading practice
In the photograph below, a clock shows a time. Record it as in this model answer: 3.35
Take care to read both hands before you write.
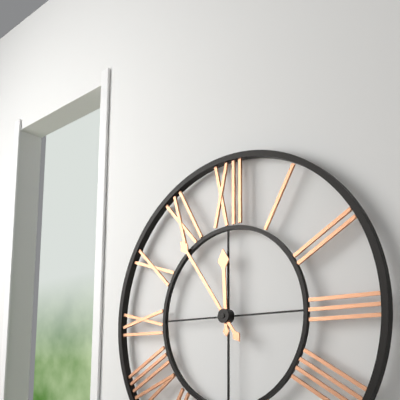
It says 11.54
